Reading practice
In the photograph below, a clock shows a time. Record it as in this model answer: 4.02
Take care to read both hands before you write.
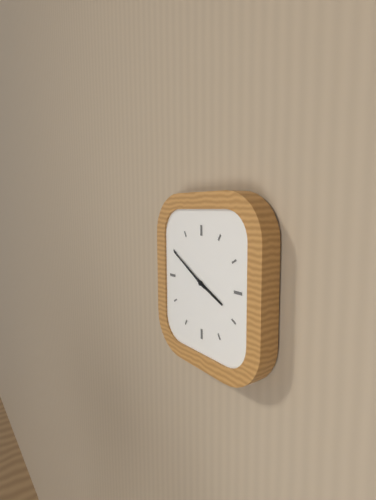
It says 3.50
